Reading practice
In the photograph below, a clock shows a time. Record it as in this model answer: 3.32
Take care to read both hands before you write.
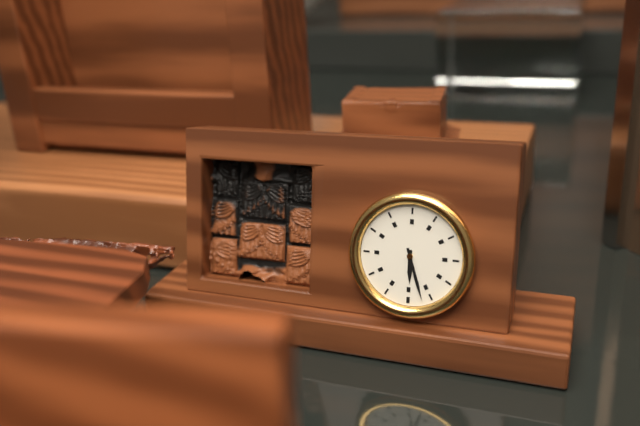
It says 11.57
